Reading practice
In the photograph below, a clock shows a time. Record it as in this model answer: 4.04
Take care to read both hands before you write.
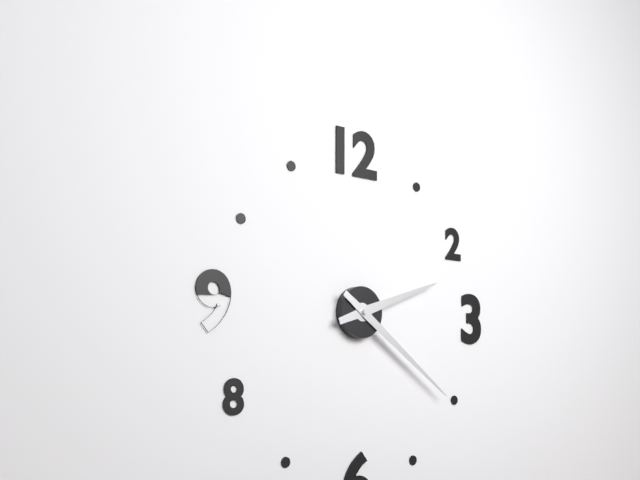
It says 2.21
